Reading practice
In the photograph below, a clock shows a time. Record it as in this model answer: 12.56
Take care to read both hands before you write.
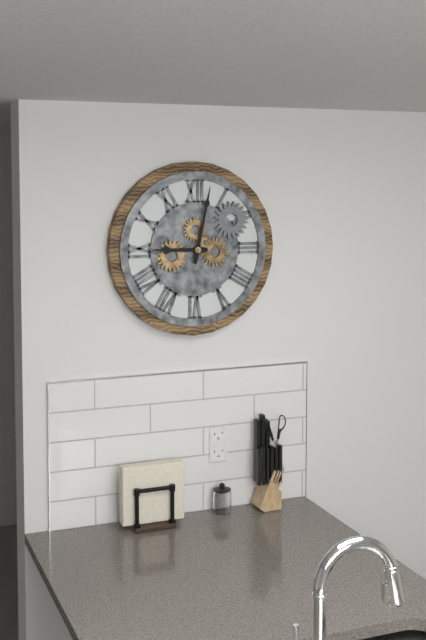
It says 9.02
